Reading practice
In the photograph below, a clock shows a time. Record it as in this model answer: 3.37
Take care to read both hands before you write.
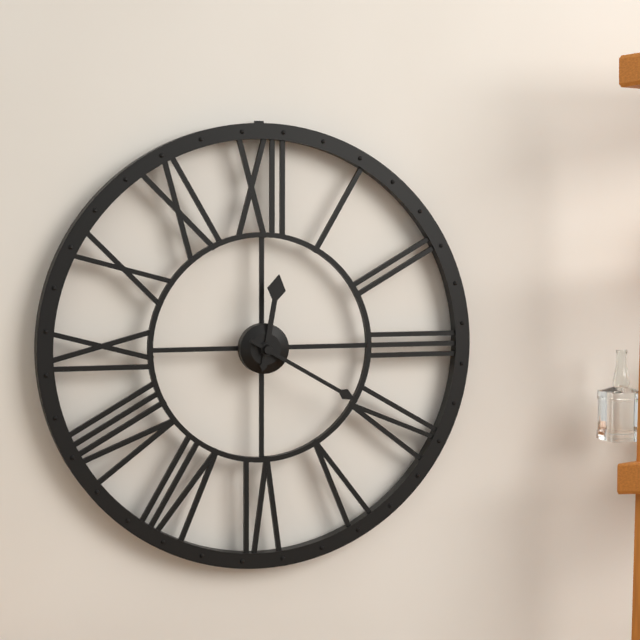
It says 12.20
